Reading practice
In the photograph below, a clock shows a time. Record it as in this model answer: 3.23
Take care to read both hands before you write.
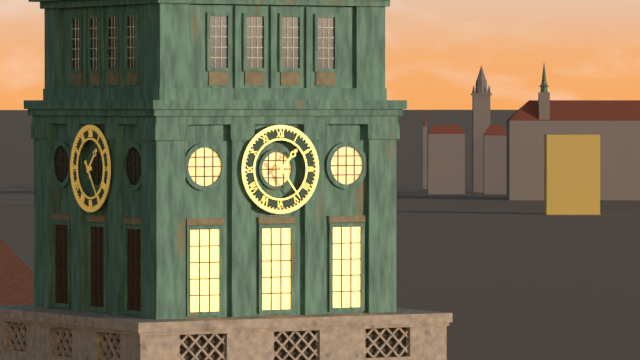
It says 1.24
